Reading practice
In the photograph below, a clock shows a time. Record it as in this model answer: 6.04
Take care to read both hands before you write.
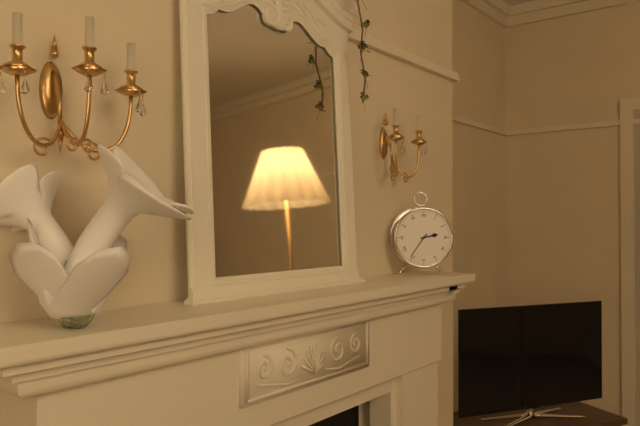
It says 2.36
